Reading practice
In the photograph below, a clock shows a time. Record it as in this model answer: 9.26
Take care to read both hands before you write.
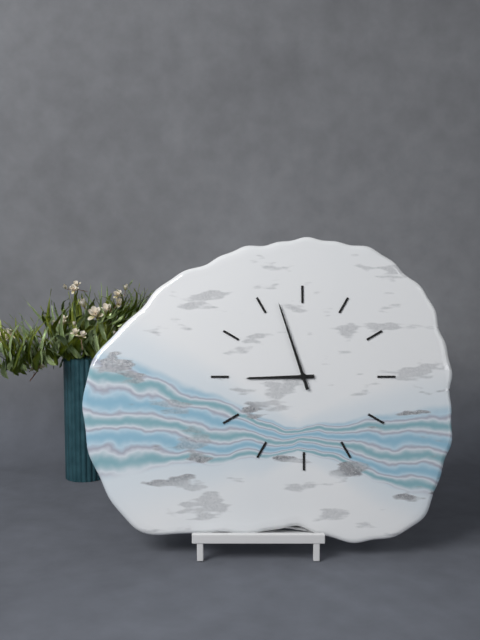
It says 8.57
